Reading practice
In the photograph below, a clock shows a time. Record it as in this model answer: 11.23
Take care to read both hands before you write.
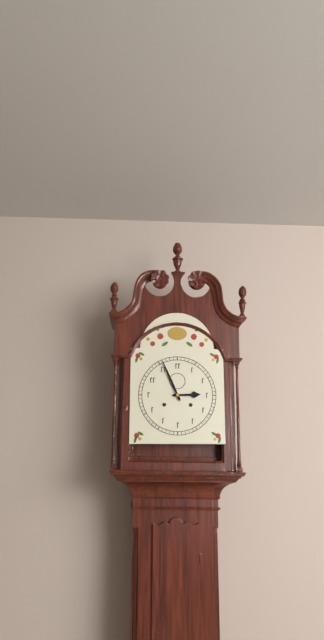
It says 2.56
